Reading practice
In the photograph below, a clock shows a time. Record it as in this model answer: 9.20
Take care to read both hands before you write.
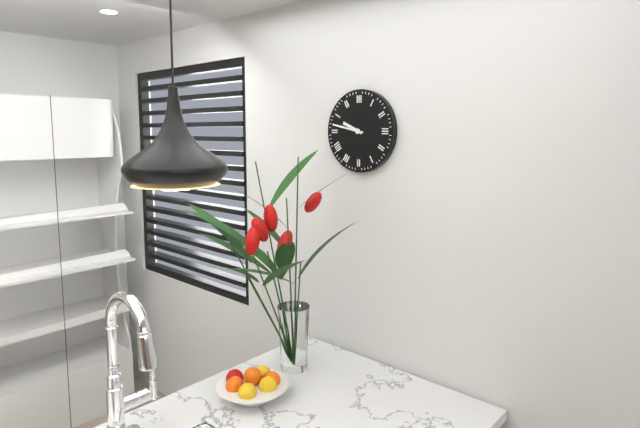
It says 9.47
